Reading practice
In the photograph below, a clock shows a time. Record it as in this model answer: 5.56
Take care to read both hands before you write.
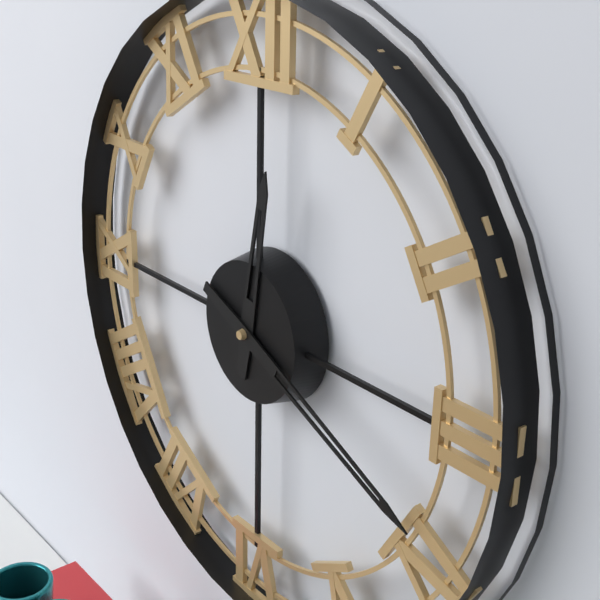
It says 12.19
